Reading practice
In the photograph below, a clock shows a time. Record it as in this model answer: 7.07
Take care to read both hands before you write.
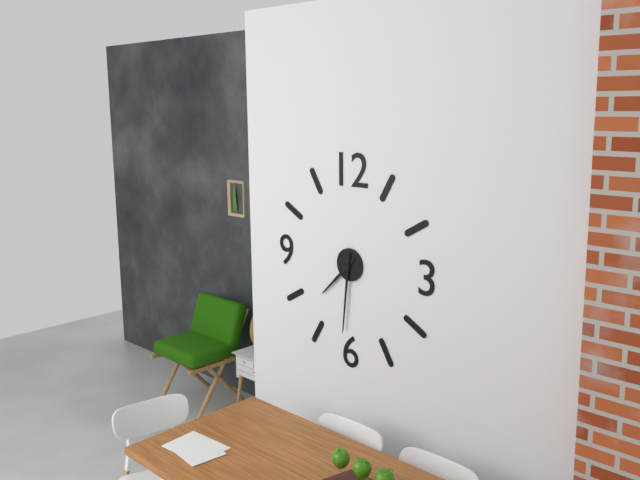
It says 7.31
